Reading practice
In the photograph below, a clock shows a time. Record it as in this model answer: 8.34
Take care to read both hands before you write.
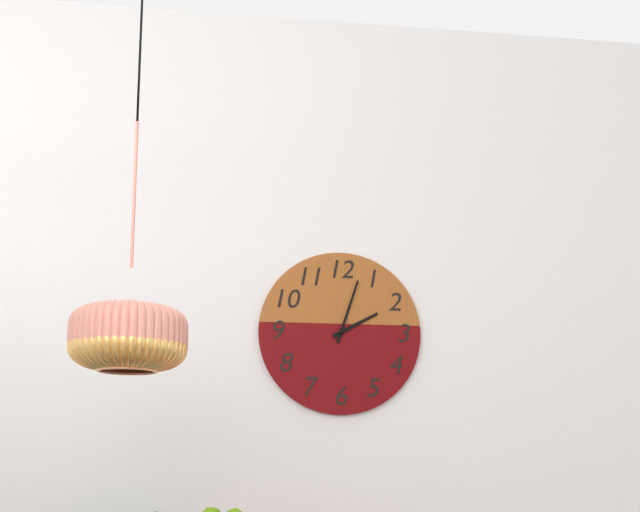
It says 2.03
